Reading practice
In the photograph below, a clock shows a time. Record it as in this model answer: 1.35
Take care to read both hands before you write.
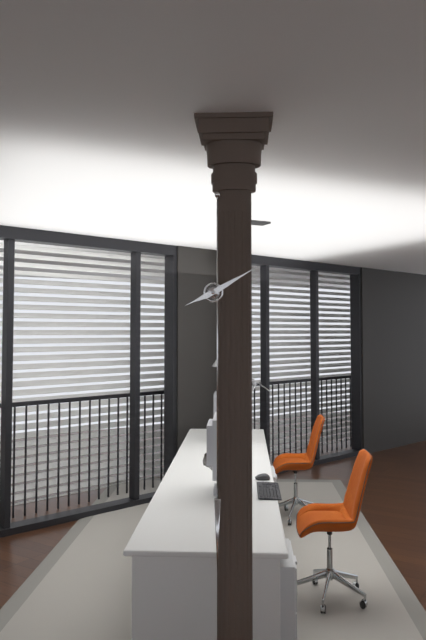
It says 8.10
